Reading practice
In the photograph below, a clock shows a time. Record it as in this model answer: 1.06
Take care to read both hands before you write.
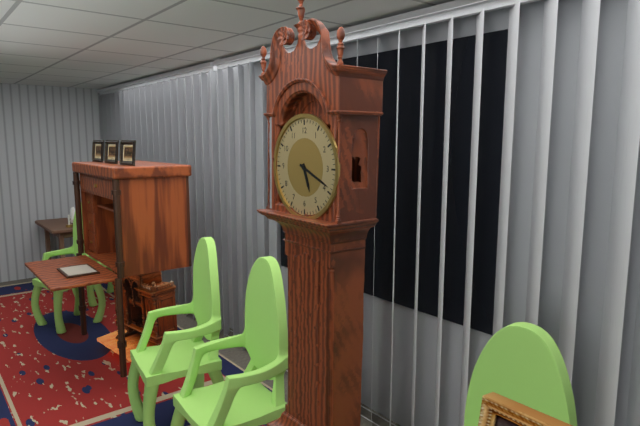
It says 5.19
